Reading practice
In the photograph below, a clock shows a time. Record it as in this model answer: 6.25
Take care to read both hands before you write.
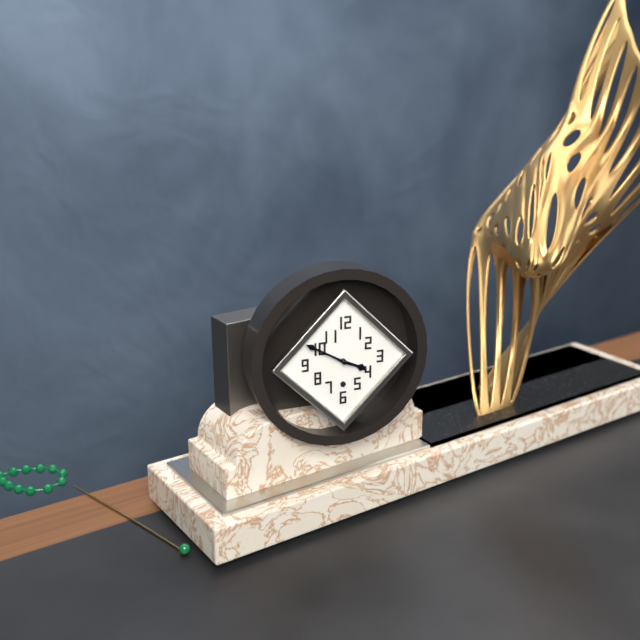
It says 3.50
